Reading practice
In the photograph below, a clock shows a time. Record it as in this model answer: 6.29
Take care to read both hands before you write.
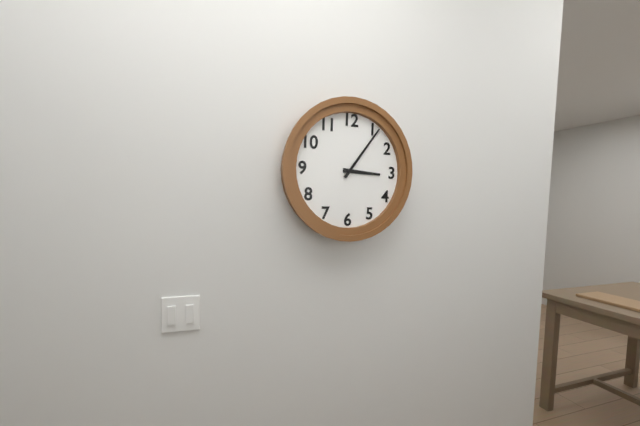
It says 3.06
